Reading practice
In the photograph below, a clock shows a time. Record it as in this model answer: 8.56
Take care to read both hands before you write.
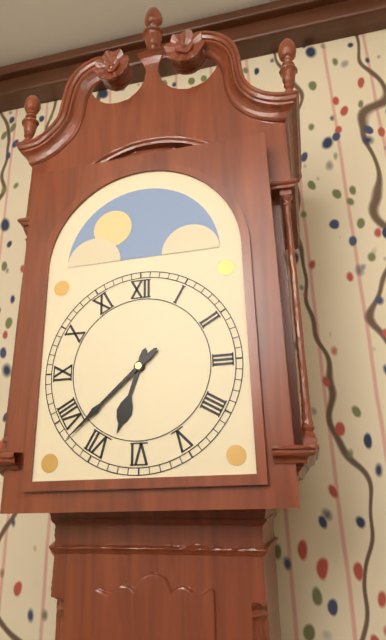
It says 6.38
